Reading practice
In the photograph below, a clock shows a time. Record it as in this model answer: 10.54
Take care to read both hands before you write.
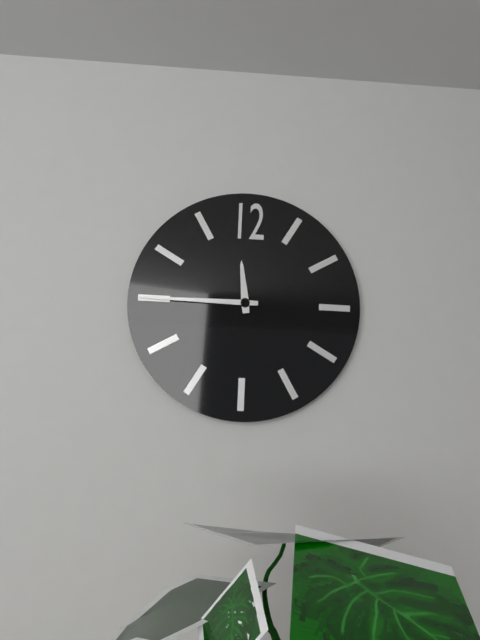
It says 11.45
